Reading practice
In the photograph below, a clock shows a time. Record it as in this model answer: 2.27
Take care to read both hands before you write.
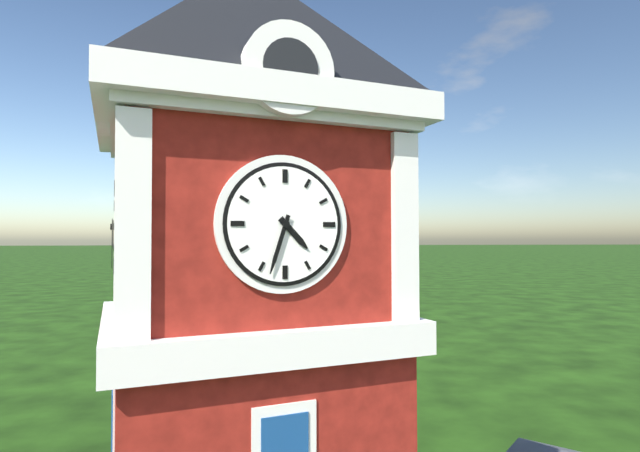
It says 4.33
